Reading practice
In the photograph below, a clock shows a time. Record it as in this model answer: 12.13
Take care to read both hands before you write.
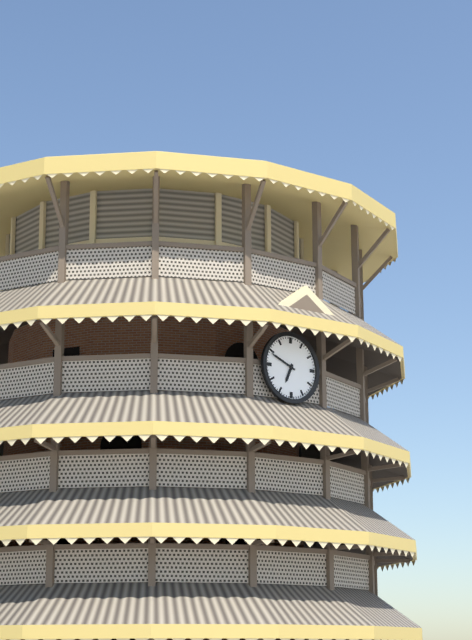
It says 6.49
